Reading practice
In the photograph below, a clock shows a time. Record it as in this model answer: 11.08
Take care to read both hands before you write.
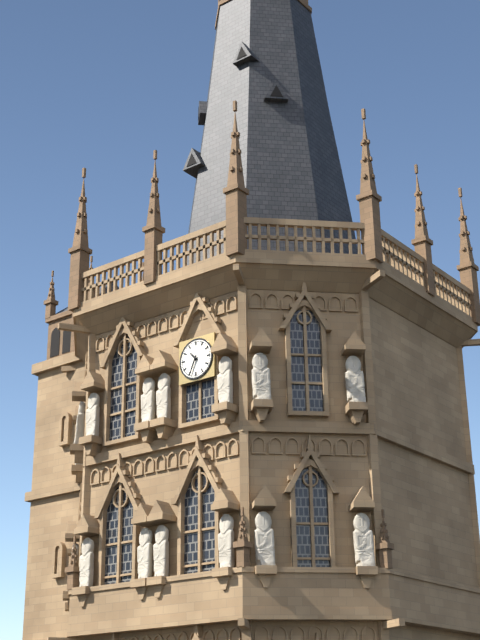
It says 10.34
